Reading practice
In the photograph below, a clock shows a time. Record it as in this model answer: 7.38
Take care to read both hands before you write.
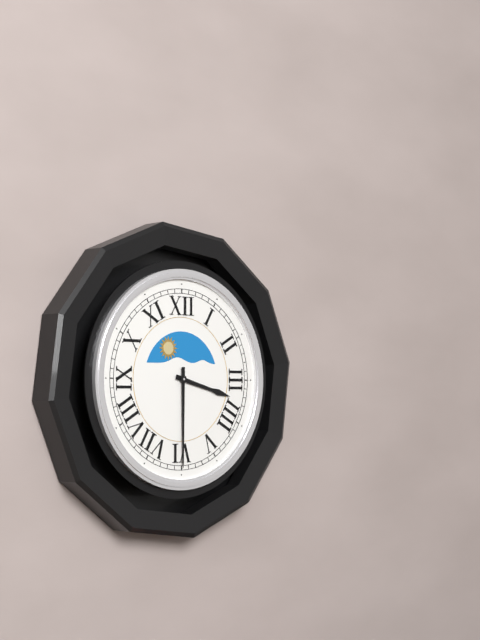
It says 3.30
